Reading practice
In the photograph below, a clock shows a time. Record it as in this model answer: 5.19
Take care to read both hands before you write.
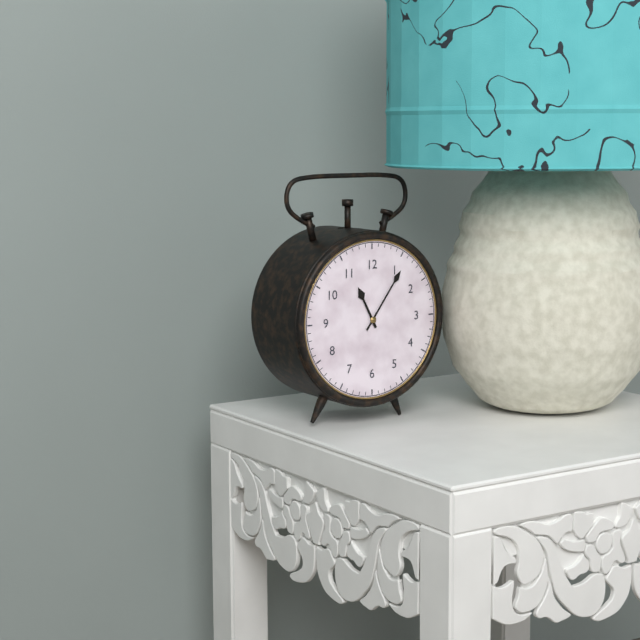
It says 11.06
